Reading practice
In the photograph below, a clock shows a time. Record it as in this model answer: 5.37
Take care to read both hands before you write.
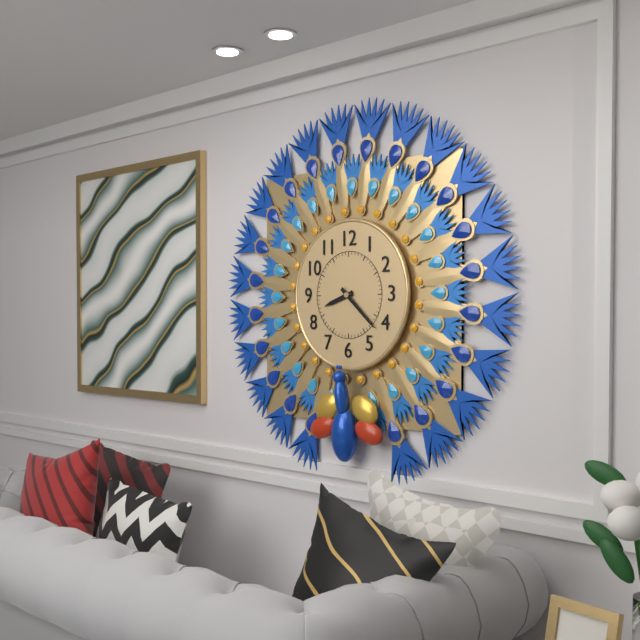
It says 8.22
